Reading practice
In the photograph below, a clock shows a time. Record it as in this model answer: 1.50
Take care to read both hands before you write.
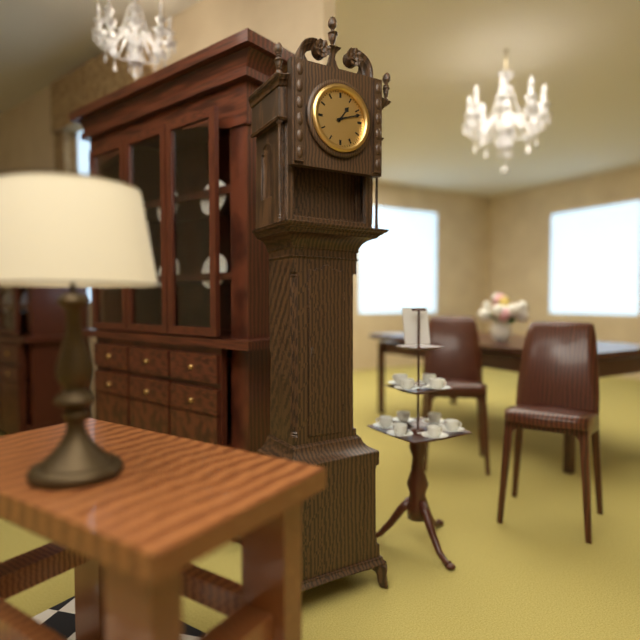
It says 1.12
